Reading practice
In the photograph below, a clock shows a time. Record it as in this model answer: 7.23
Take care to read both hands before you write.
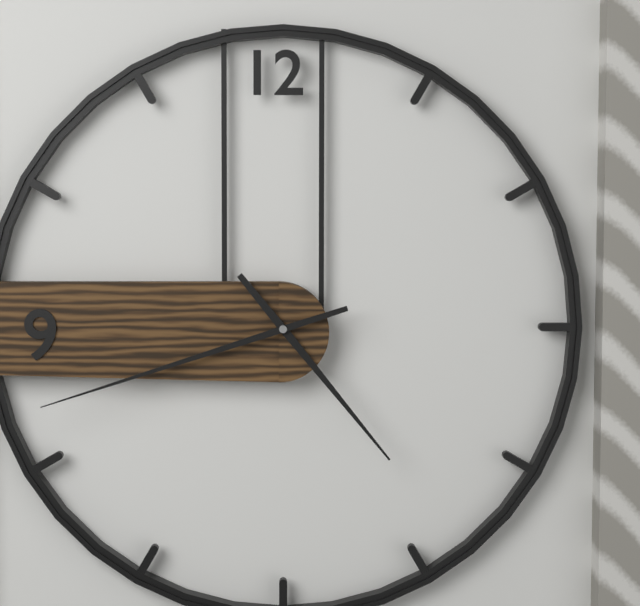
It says 4.42
